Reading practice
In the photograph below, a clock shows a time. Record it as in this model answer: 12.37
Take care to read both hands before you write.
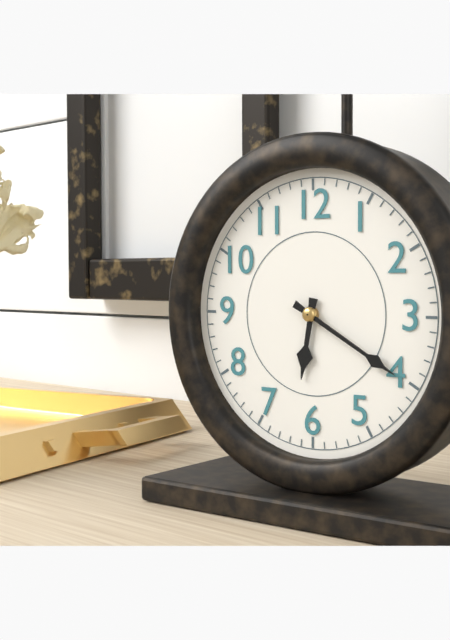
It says 6.20
